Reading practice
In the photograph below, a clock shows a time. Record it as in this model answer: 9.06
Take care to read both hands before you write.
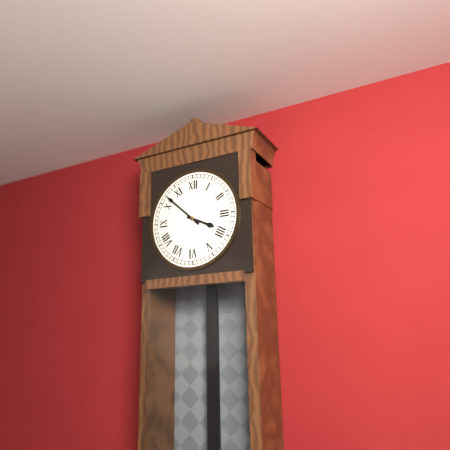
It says 3.52
